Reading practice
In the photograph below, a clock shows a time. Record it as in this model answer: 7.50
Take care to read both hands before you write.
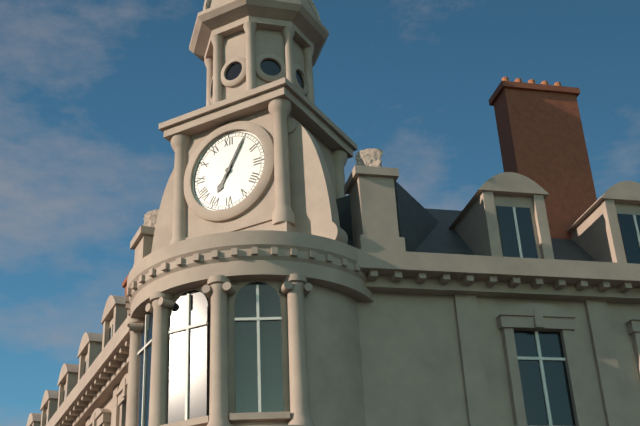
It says 7.05
